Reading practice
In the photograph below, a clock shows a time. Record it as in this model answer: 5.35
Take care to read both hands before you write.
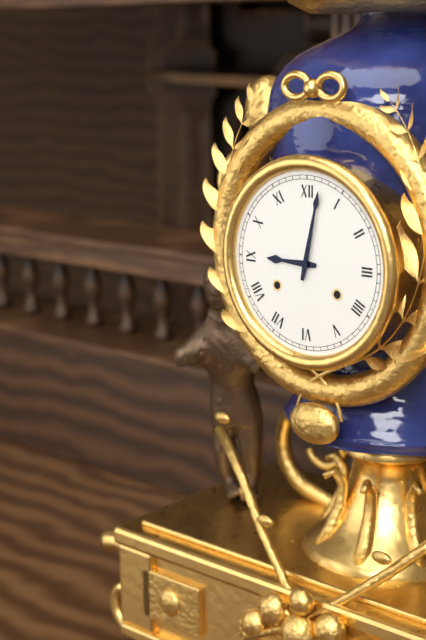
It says 9.02
